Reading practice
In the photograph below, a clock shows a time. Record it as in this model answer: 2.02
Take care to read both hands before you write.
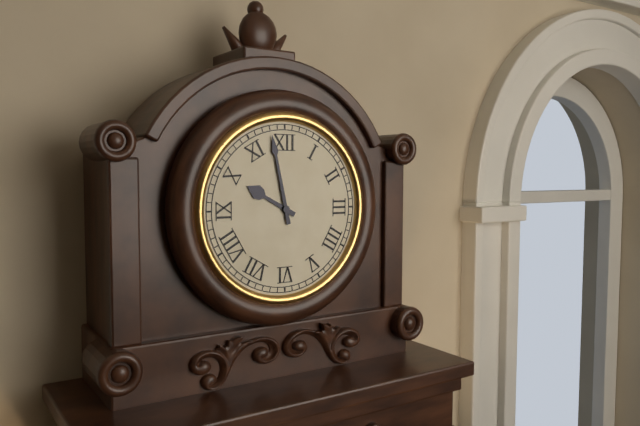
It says 9.58
